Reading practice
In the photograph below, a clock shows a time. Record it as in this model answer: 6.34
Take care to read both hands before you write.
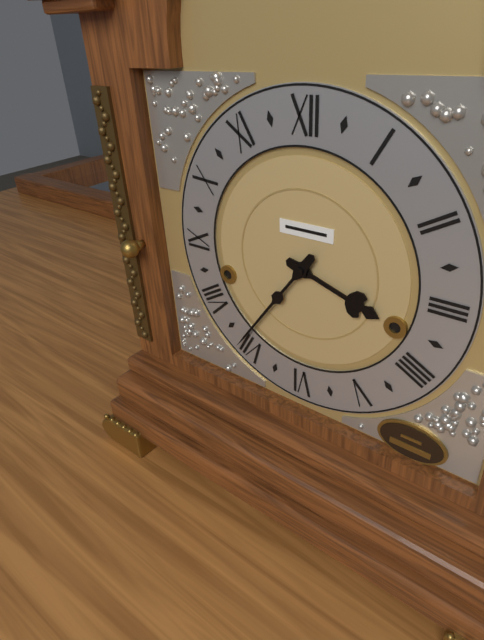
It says 3.36
